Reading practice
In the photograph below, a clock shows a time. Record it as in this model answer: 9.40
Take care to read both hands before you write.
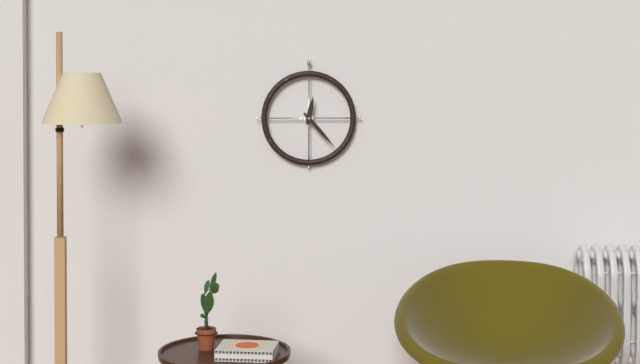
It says 12.23
